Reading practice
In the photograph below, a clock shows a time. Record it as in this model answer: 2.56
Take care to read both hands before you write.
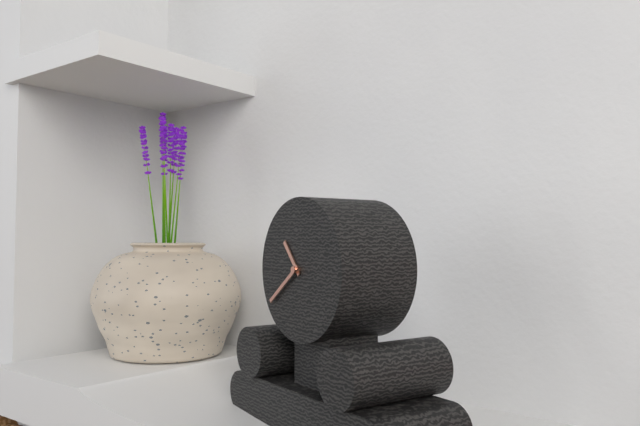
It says 10.39
